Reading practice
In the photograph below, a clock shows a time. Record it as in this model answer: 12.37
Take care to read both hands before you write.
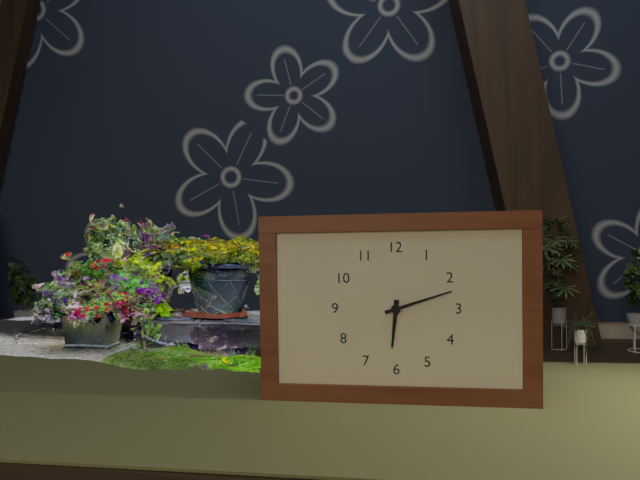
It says 6.12
